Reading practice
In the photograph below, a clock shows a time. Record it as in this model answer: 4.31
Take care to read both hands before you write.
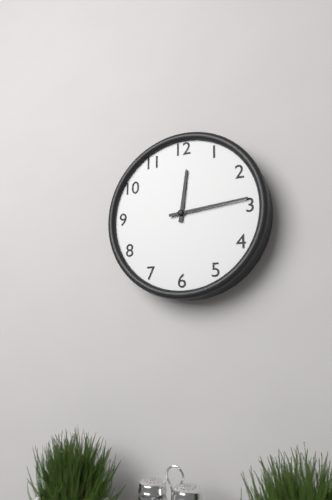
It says 12.14
